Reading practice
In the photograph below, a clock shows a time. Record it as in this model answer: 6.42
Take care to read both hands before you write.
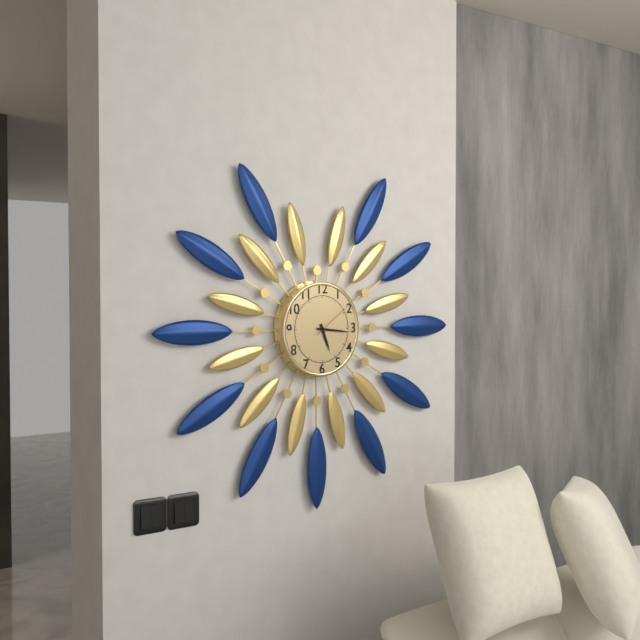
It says 5.16
